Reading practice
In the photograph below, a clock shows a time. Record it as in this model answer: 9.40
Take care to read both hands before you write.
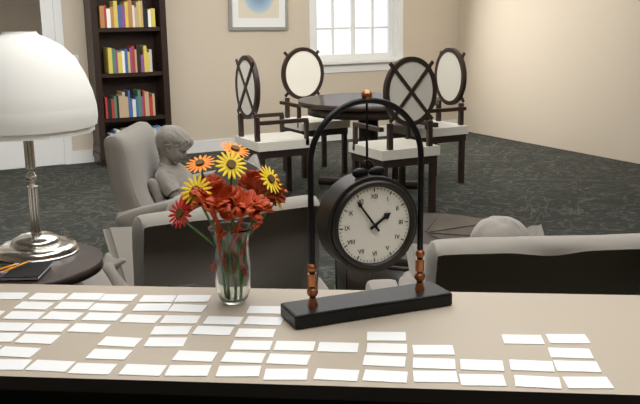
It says 1.54
